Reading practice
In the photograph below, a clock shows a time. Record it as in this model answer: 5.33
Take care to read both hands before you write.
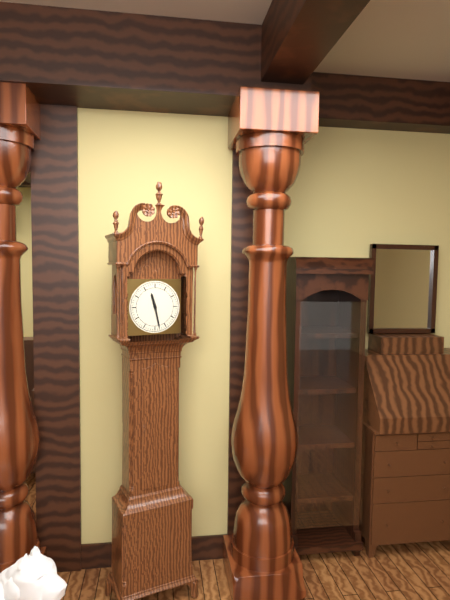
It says 11.28
